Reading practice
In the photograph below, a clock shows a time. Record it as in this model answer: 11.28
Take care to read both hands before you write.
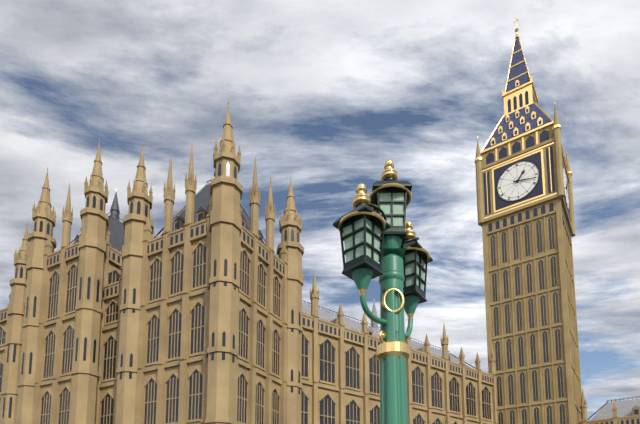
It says 1.17
